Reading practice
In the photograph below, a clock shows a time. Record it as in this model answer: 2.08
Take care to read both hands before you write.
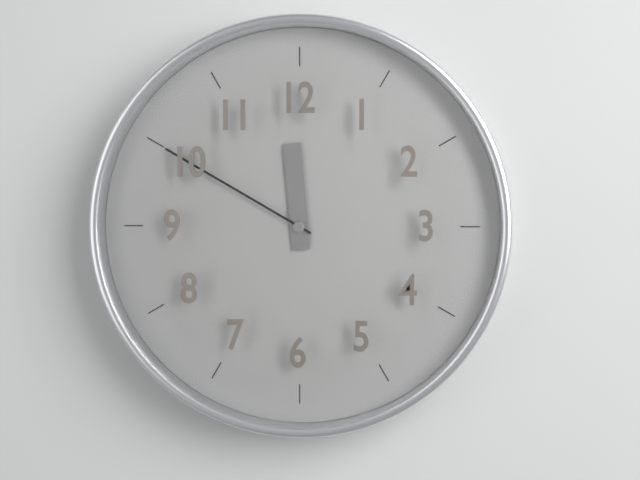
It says 11.50
